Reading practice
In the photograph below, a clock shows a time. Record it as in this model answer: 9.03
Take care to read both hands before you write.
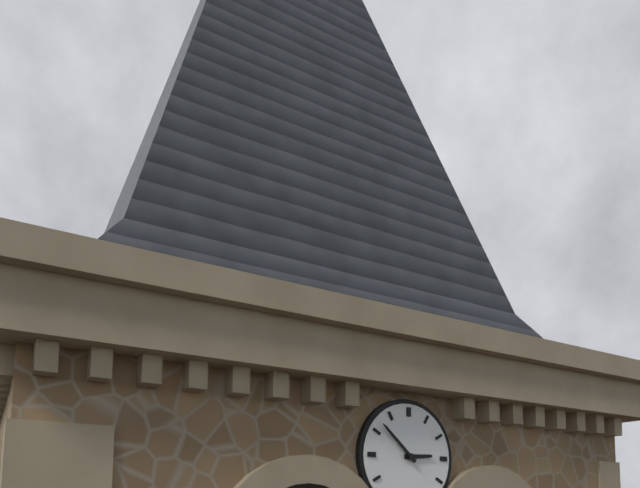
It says 2.52
